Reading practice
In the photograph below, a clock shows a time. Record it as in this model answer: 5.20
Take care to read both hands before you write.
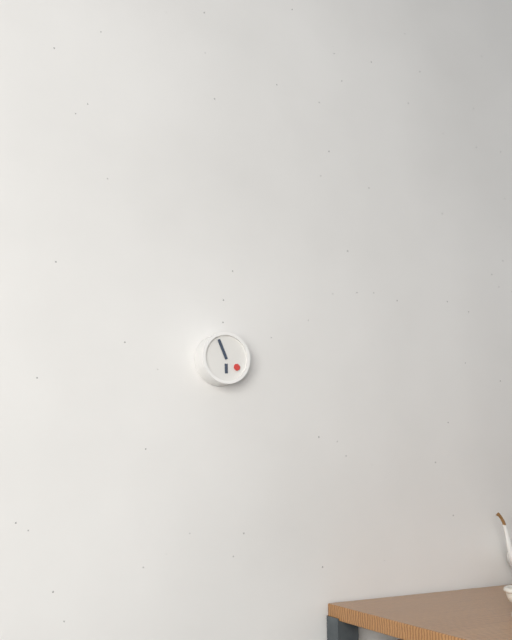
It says 5.56
